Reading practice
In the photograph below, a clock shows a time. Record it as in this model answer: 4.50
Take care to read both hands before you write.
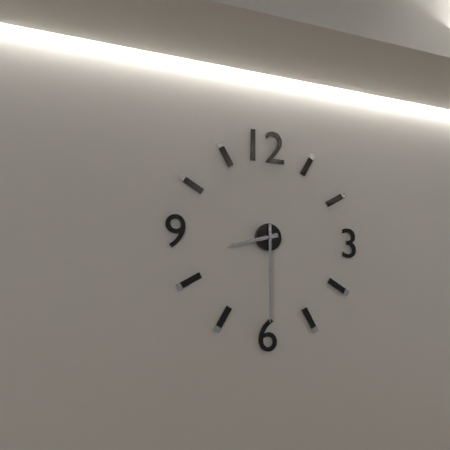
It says 8.30
